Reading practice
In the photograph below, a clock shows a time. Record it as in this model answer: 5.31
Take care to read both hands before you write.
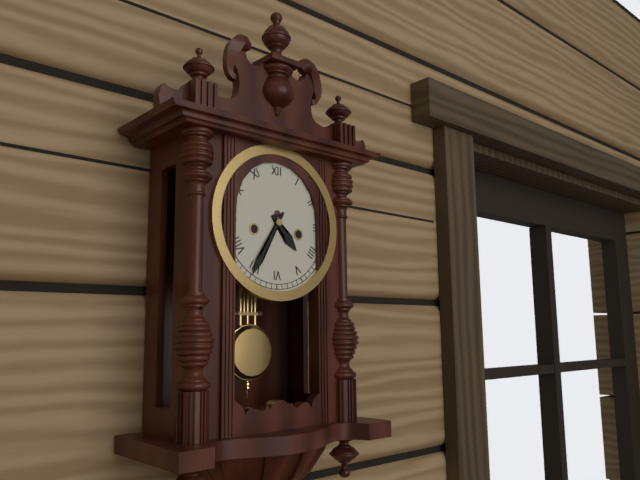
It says 4.35
